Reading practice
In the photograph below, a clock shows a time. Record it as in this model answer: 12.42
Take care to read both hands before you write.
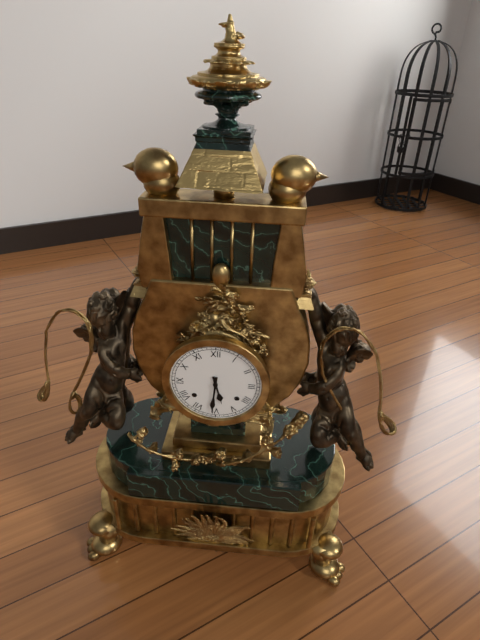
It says 5.31
